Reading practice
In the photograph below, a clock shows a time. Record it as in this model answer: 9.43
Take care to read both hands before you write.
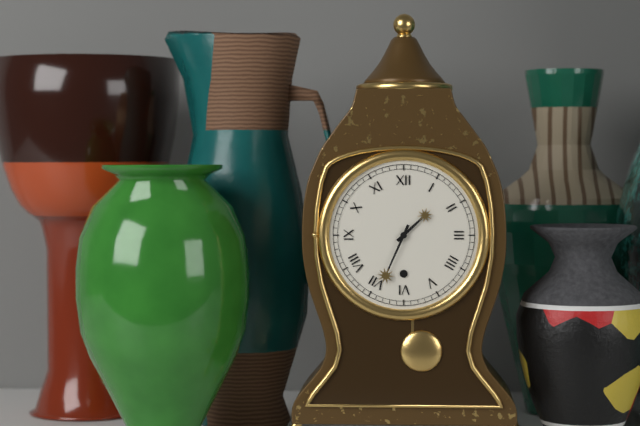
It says 1.34
